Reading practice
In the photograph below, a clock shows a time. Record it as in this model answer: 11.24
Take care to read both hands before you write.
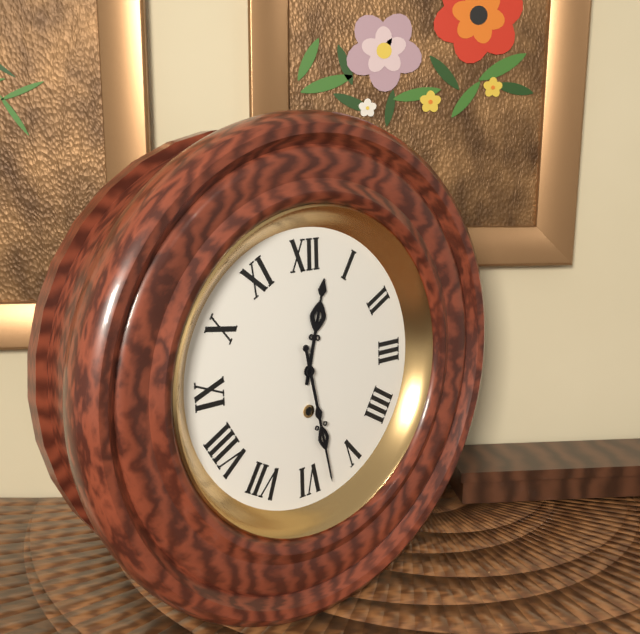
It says 12.28
